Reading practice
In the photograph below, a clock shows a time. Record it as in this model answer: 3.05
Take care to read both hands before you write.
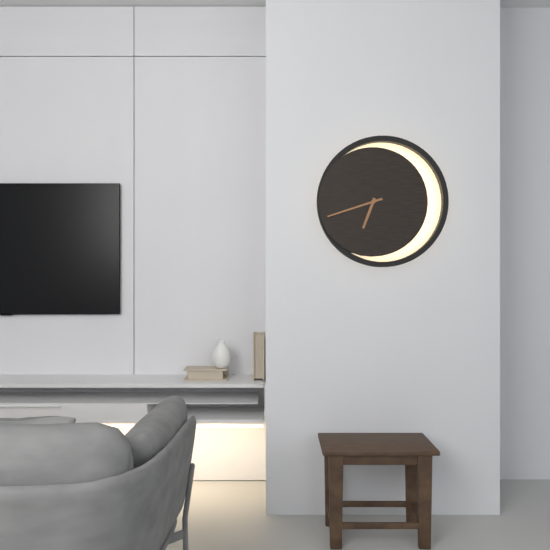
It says 6.42
